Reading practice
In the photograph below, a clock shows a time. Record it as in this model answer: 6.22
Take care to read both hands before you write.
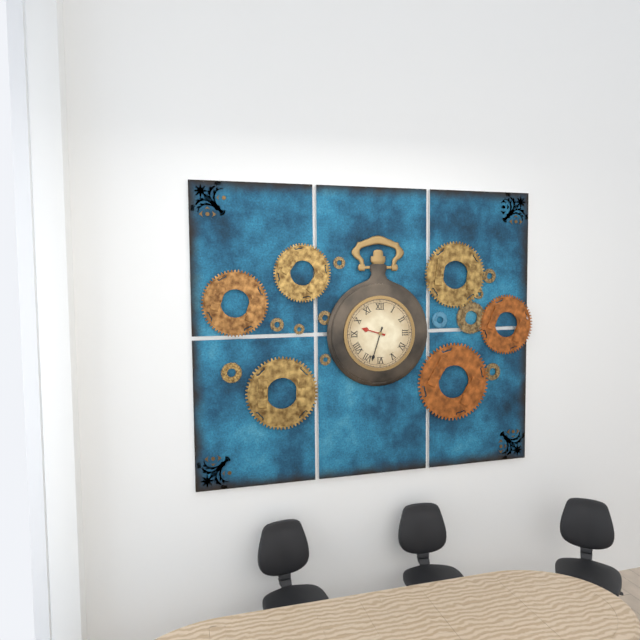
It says 9.33
